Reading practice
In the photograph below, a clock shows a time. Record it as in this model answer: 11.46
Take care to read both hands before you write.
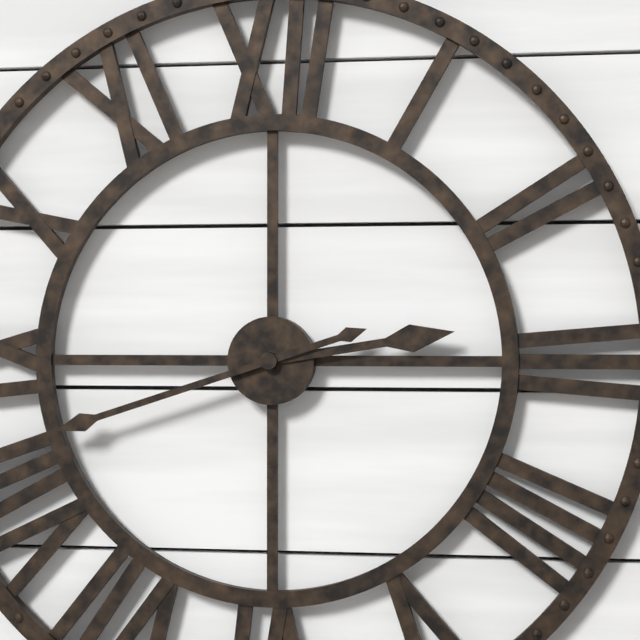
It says 2.42
